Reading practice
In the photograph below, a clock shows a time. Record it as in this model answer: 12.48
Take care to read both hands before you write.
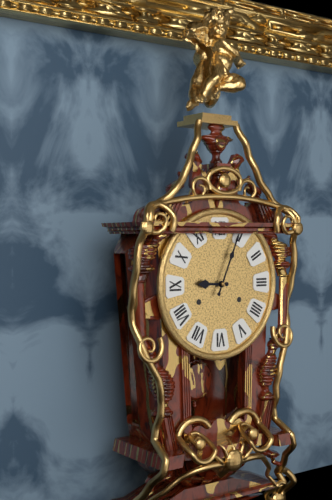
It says 9.04
